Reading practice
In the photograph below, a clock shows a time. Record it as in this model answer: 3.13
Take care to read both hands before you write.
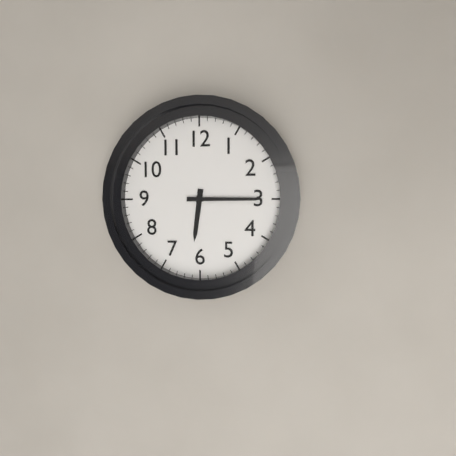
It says 6.15
